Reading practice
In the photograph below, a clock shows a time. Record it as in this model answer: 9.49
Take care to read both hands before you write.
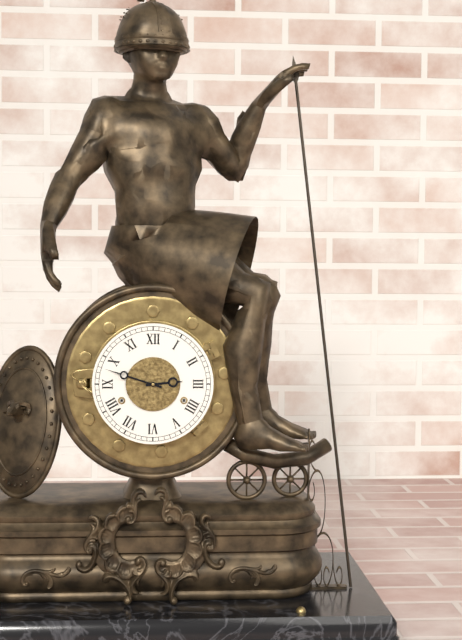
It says 2.48
